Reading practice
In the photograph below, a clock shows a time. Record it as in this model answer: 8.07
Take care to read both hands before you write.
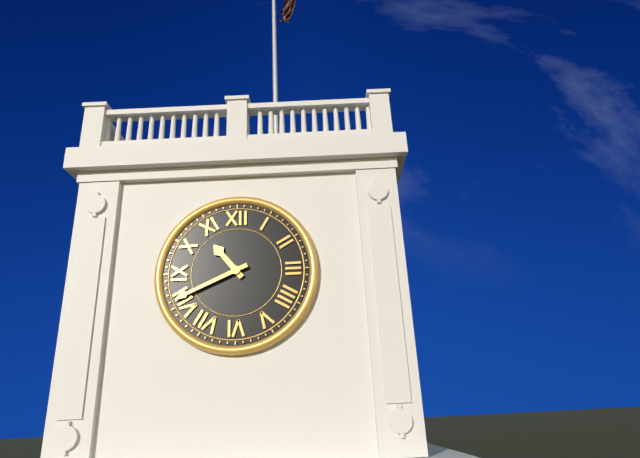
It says 10.41
